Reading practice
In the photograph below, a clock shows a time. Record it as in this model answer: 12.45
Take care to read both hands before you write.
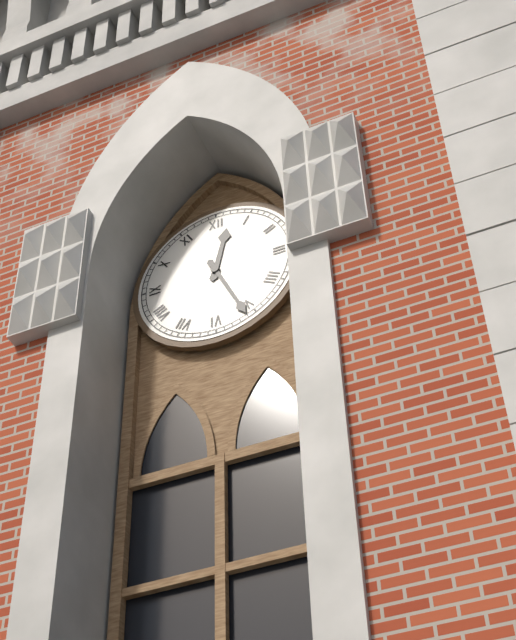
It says 12.26
